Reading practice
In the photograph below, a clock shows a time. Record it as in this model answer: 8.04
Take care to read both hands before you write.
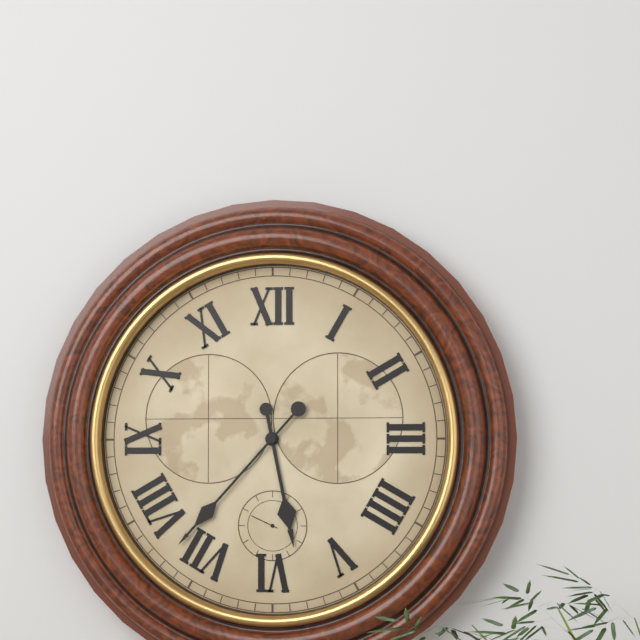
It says 5.37
